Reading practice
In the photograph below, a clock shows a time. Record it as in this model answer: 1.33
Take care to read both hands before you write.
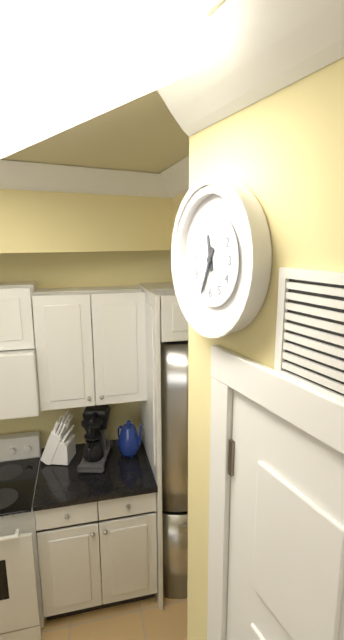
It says 11.34
